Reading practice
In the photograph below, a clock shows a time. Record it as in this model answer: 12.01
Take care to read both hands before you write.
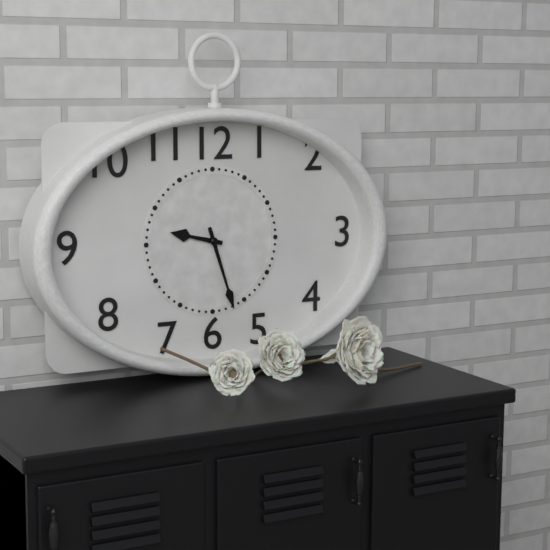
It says 9.27
